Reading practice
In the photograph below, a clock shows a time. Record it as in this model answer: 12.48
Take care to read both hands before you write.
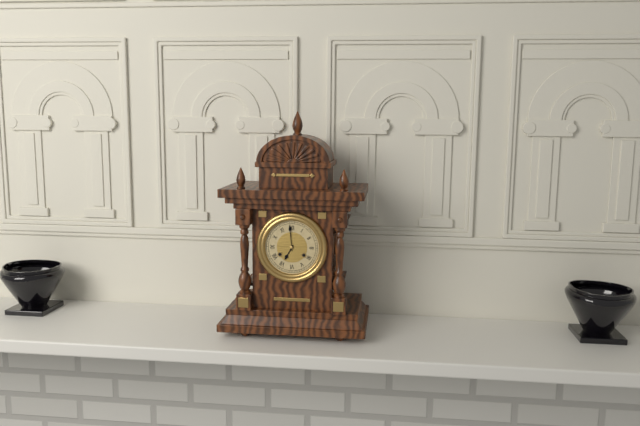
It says 6.59
